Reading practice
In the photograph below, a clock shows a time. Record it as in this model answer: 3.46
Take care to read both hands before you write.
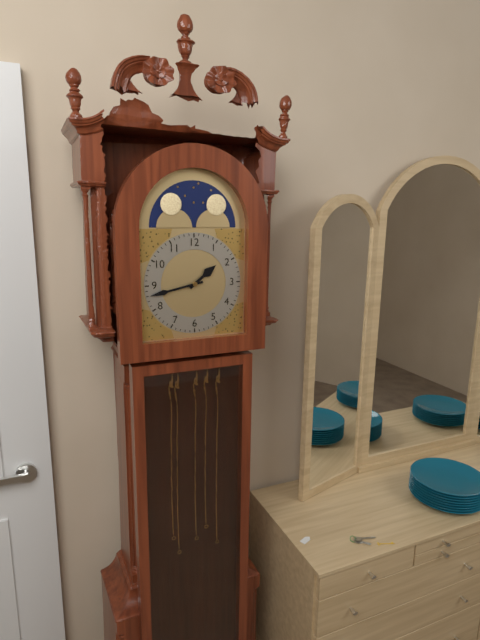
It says 1.43
